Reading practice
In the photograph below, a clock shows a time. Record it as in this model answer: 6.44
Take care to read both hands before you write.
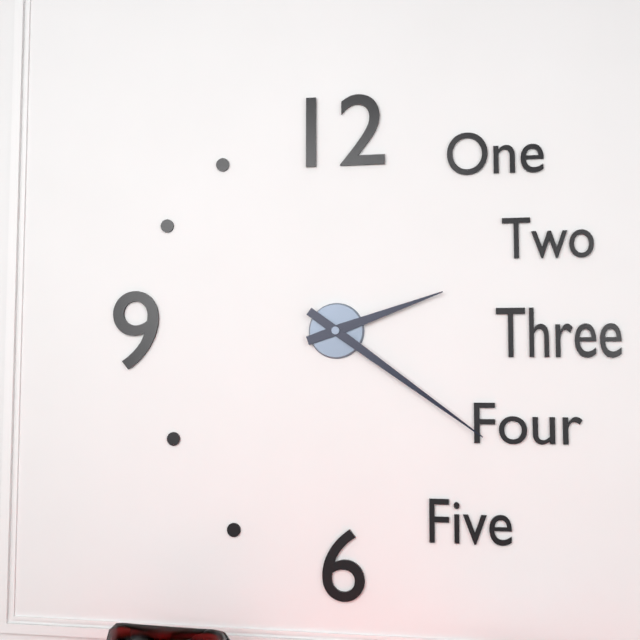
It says 2.21
